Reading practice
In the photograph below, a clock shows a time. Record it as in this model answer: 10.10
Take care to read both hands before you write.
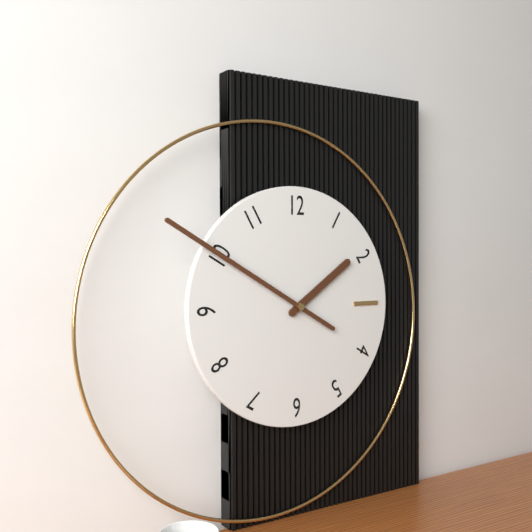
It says 1.50
